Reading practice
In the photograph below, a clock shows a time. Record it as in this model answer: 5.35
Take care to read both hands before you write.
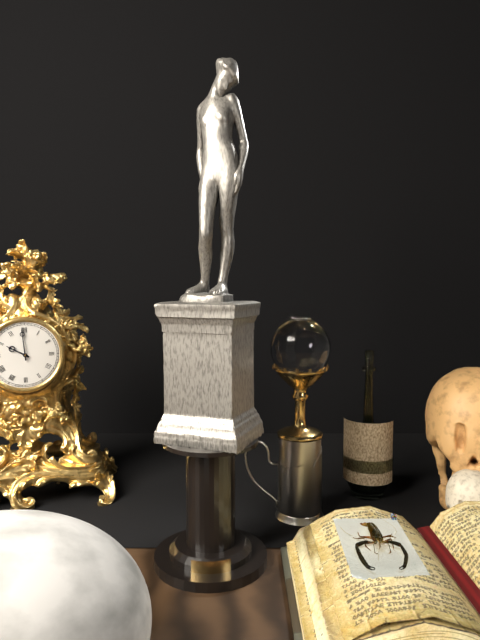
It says 9.59
